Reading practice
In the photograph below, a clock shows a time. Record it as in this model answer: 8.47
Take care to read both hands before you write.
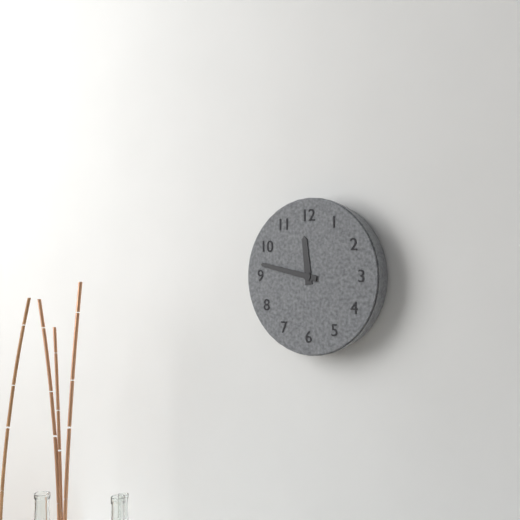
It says 11.47
